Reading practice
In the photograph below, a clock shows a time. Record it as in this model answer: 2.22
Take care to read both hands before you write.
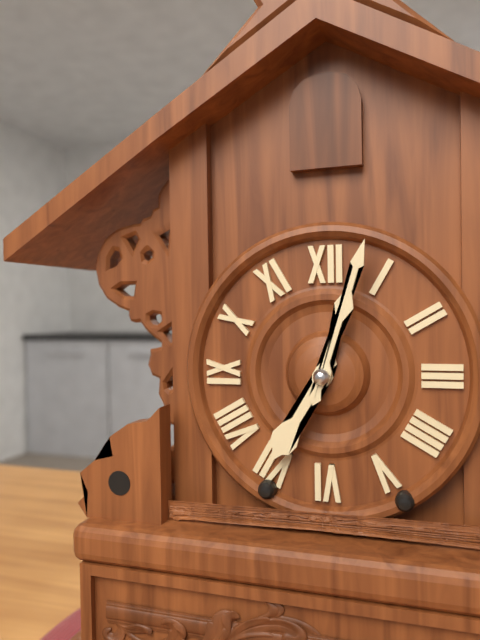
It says 7.03
